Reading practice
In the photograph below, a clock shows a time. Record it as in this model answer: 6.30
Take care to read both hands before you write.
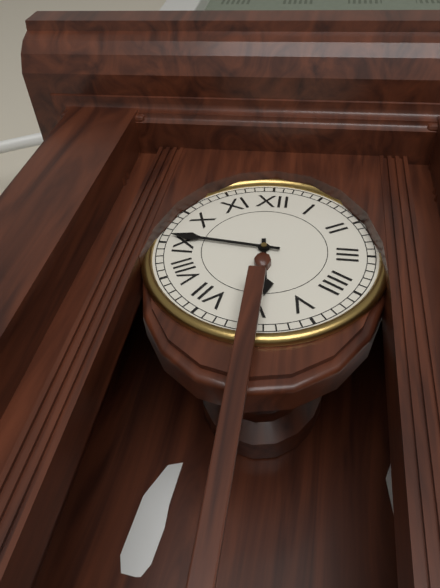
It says 5.46
